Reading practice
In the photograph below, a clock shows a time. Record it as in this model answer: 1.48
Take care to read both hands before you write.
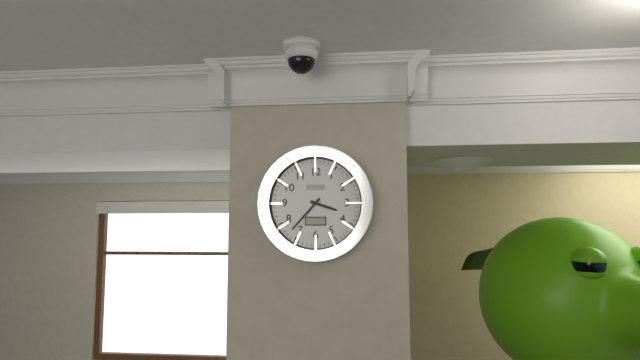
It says 3.37
